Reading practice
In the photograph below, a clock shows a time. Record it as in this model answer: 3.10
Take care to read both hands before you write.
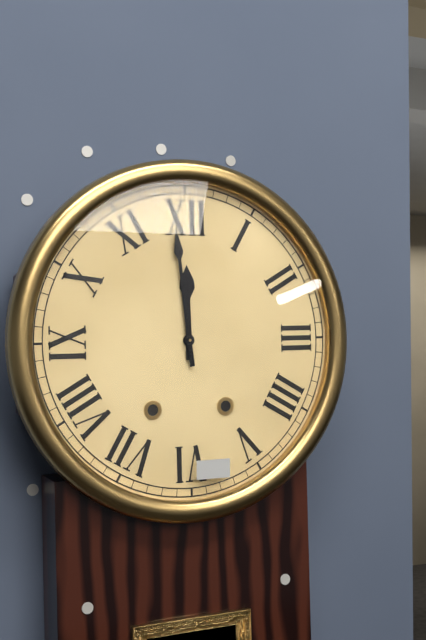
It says 11.59
